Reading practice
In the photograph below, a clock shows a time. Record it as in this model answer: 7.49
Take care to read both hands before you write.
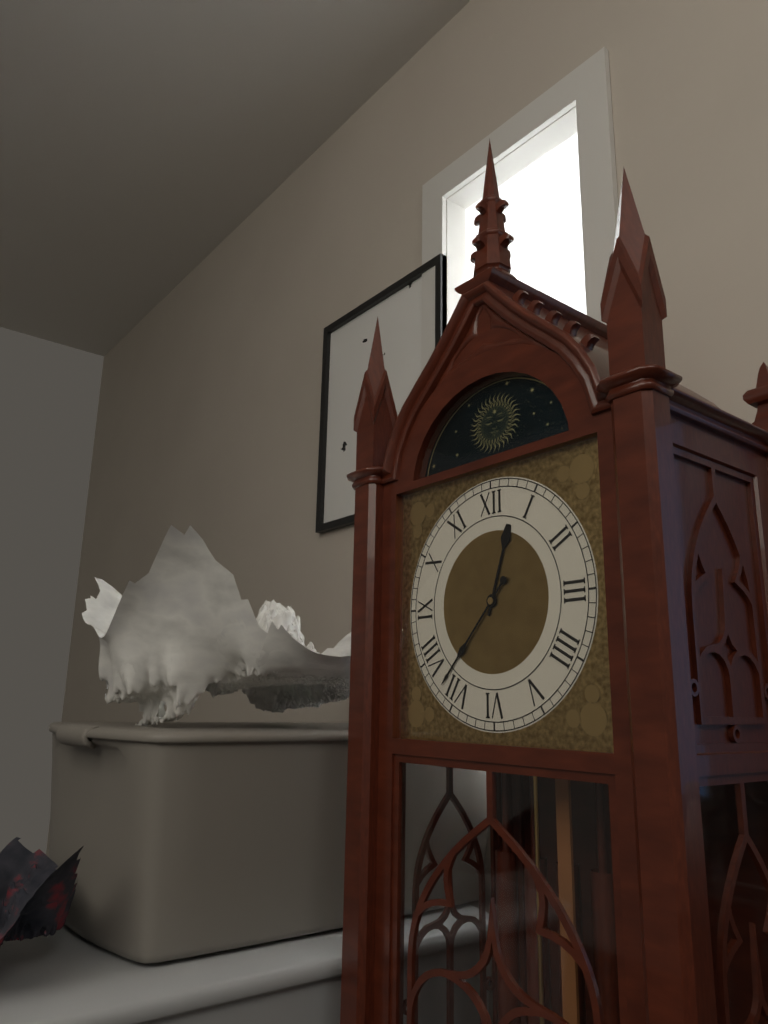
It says 12.37
